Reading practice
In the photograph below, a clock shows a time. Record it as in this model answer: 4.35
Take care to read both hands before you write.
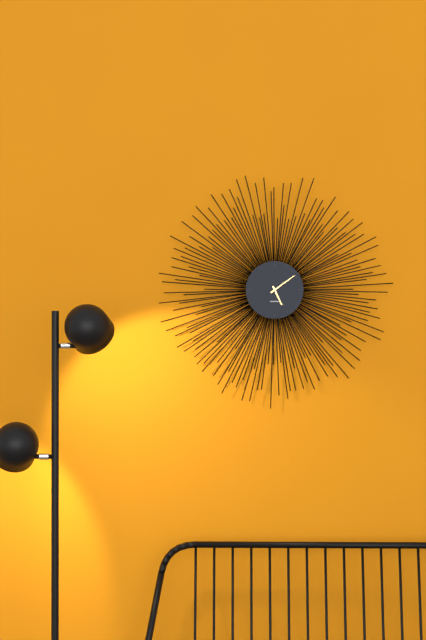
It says 5.09
